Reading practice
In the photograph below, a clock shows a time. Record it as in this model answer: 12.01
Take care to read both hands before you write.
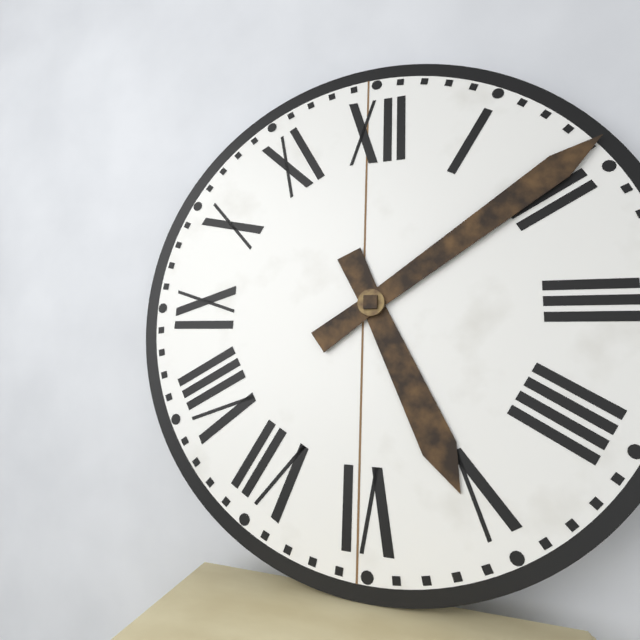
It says 5.09
